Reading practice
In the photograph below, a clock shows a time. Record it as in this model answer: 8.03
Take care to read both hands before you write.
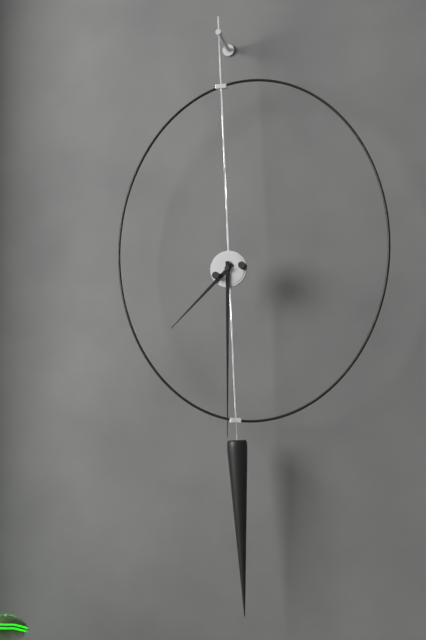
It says 7.30
